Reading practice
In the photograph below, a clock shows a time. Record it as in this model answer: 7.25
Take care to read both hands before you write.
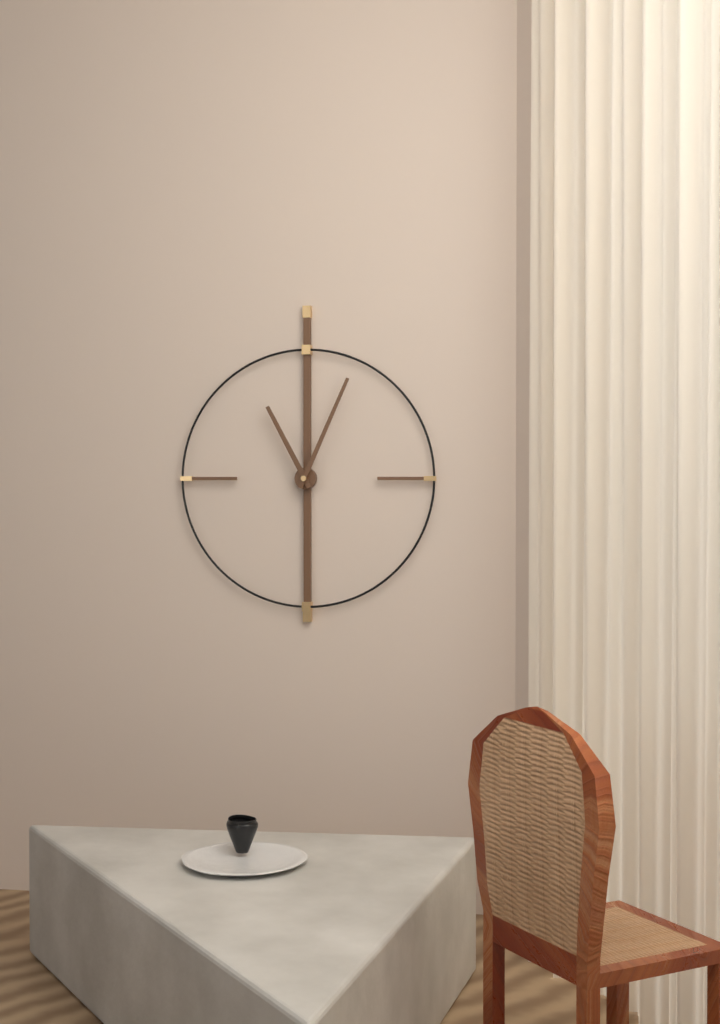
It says 11.04
